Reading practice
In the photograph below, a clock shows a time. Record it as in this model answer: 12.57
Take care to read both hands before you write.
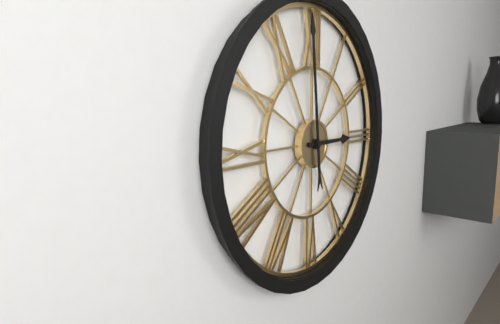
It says 2.59
